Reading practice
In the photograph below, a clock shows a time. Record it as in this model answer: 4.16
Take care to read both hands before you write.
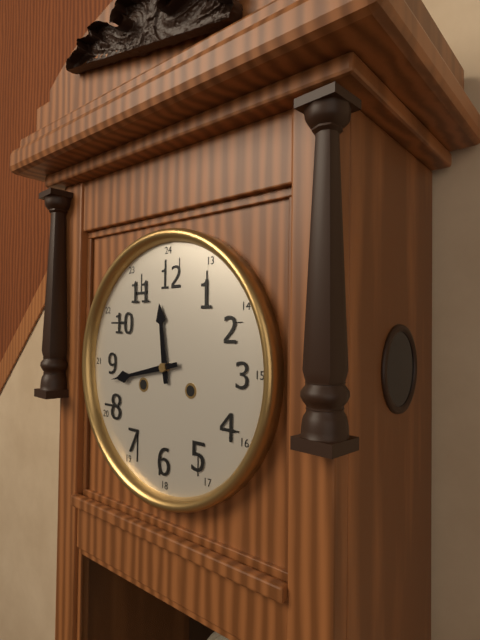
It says 11.43
